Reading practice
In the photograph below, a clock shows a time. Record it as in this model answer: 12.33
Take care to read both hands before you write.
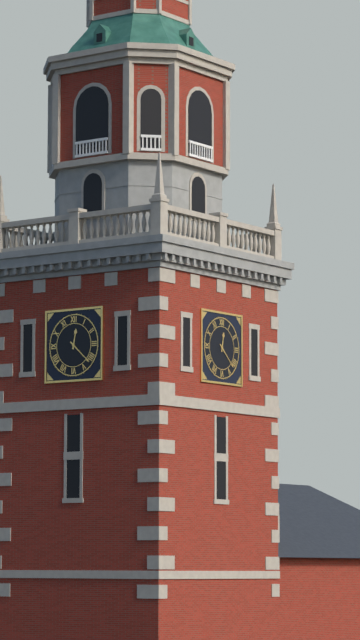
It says 12.22
